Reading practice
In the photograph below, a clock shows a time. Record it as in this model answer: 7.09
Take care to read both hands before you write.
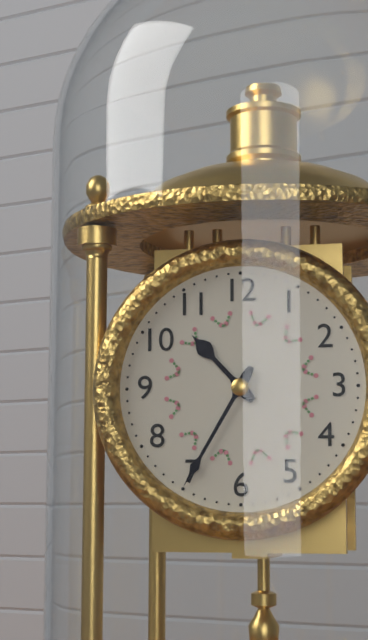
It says 10.35
